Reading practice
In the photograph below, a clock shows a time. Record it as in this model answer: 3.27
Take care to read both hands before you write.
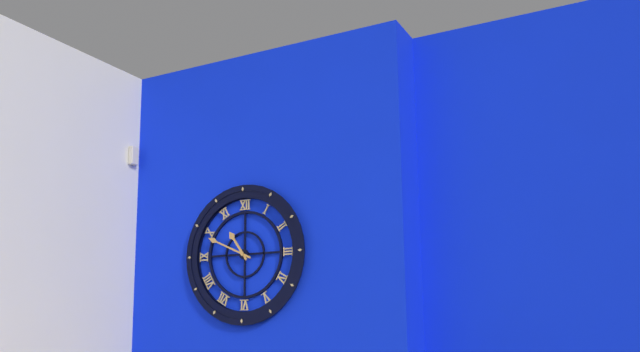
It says 10.49
